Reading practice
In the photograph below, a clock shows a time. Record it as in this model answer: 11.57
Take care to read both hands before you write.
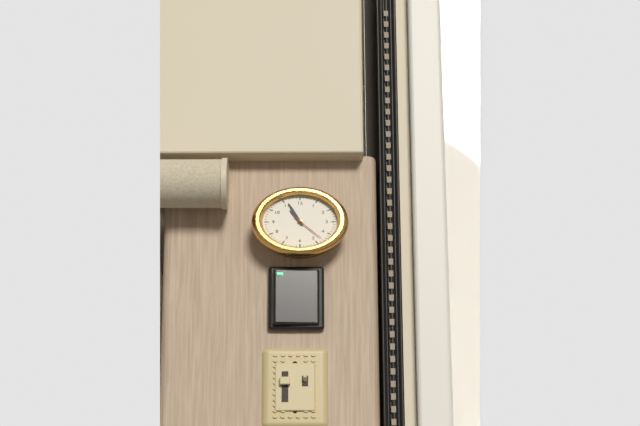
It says 10.56
